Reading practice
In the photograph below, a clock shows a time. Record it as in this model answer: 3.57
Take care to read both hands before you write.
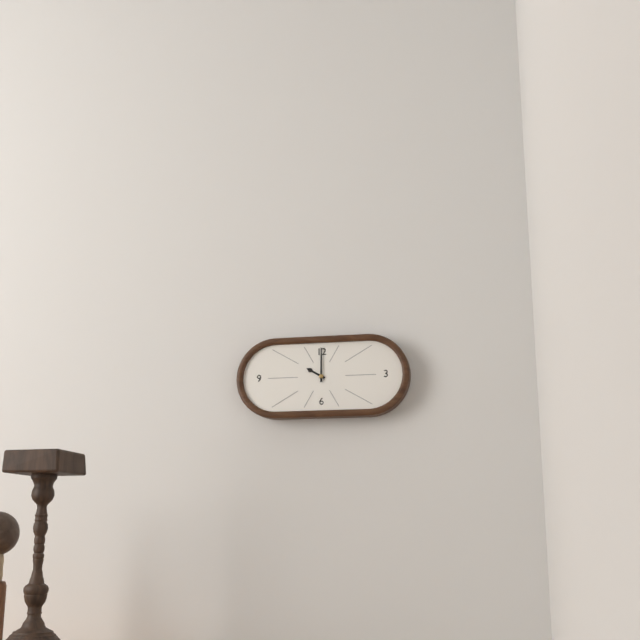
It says 10.00
